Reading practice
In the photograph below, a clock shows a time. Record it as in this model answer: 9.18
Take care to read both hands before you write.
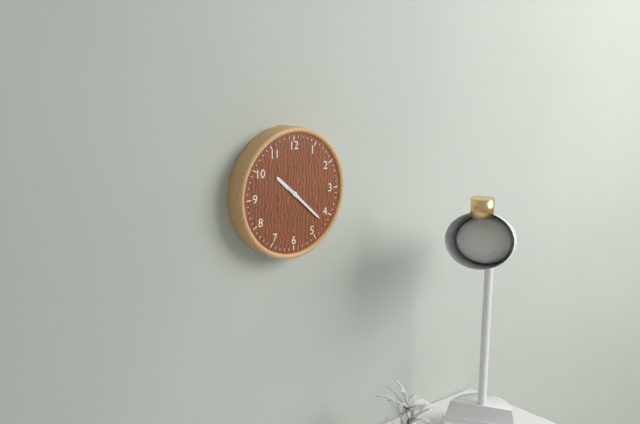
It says 10.22
